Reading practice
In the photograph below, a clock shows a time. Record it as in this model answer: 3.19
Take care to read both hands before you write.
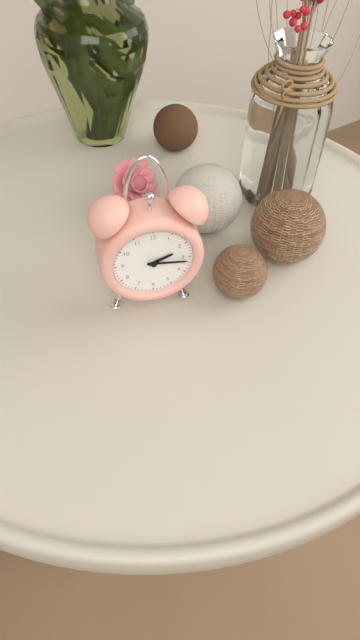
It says 2.16
